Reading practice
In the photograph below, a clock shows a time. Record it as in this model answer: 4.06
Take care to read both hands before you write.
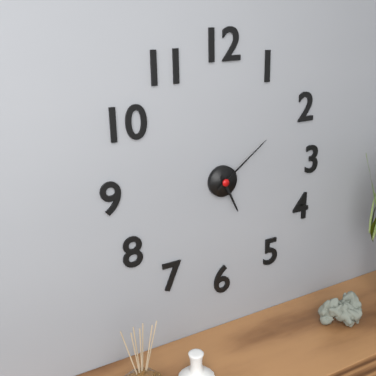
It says 5.09
